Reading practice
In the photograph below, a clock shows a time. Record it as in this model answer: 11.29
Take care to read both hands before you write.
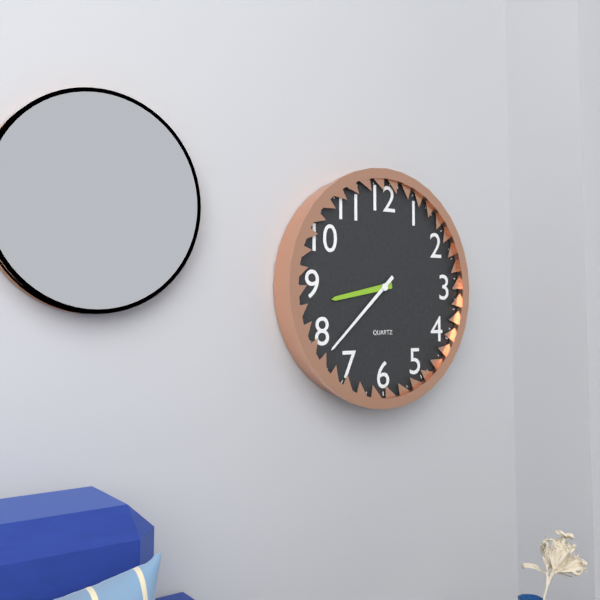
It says 8.38
